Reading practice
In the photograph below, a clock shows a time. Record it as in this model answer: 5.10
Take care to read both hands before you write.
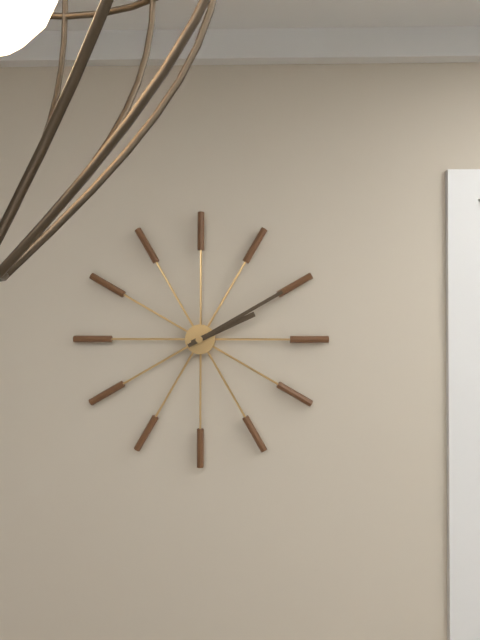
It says 2.10
